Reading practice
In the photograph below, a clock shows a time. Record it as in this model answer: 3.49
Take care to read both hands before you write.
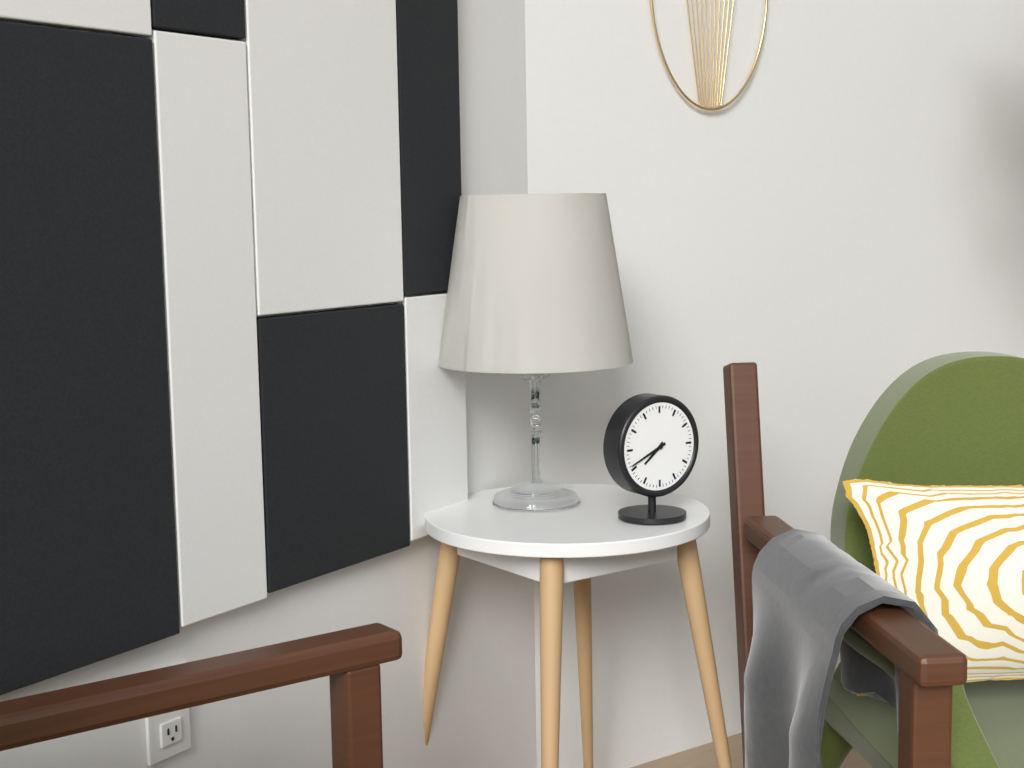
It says 7.41
